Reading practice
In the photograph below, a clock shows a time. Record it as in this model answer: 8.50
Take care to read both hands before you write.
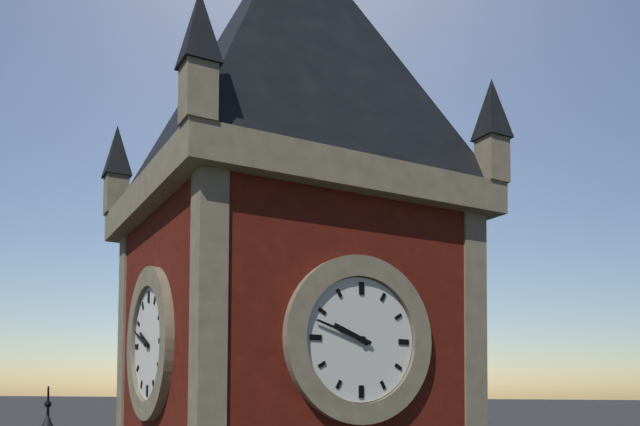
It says 9.48
